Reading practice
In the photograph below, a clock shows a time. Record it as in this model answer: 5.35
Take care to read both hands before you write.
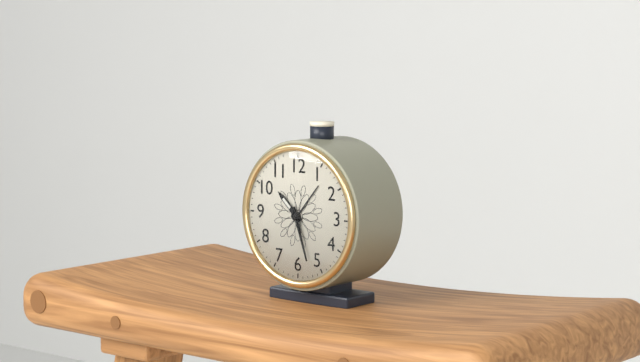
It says 10.27
